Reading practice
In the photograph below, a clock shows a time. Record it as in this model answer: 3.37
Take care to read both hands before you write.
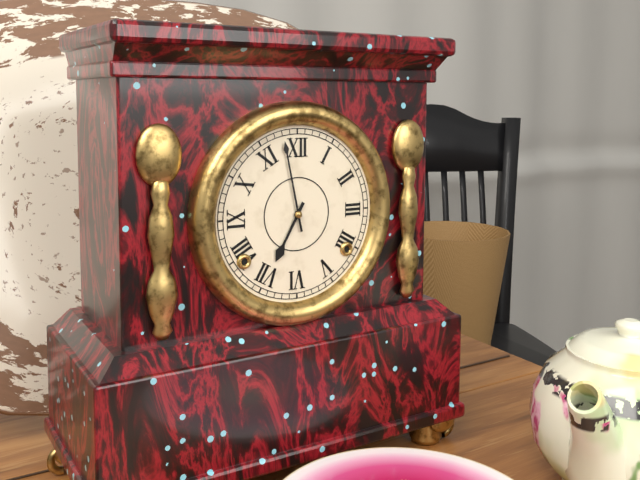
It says 6.58
